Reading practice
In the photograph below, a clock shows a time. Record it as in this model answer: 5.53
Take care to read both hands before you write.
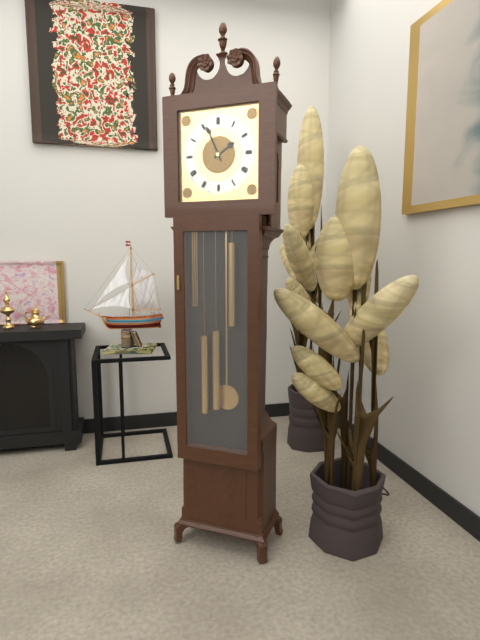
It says 1.56
